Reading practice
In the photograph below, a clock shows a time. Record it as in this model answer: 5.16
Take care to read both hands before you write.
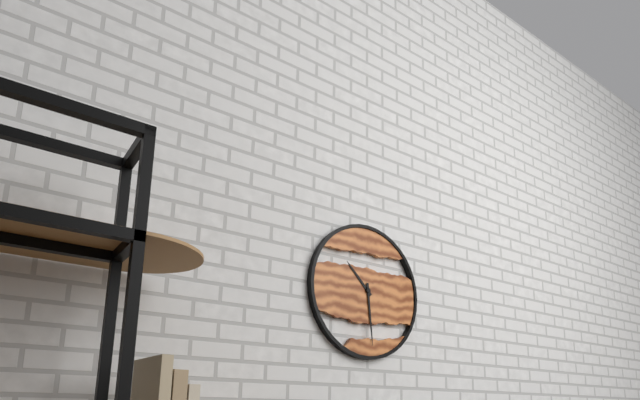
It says 10.29
